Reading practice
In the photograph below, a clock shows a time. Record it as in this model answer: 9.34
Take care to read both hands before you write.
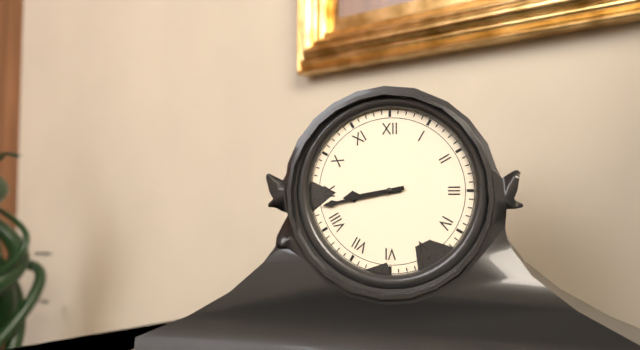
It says 8.43
